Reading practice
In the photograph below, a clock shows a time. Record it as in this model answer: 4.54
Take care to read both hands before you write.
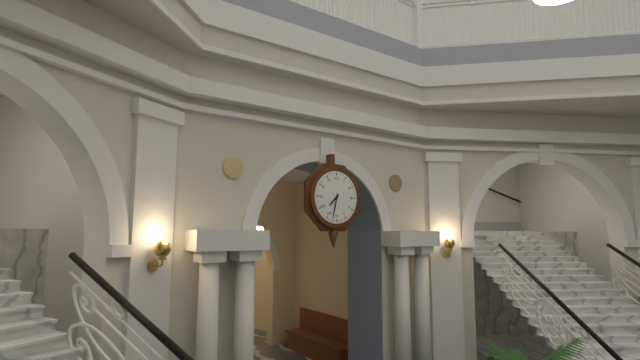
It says 7.32
